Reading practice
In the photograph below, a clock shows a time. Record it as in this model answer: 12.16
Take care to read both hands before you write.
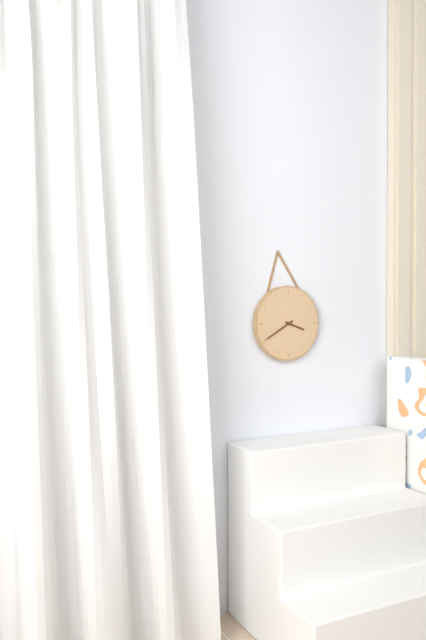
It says 3.40
